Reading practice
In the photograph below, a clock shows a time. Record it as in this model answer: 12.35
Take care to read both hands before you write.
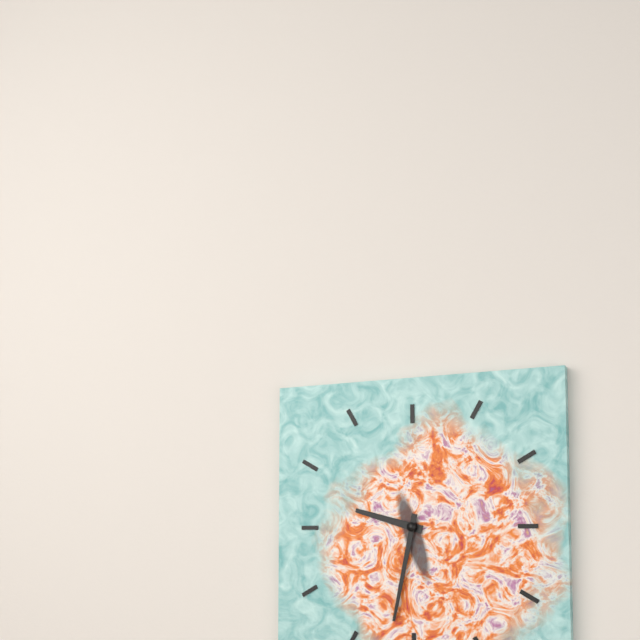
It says 9.32
